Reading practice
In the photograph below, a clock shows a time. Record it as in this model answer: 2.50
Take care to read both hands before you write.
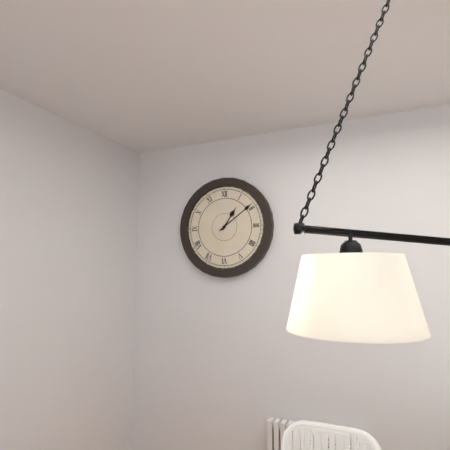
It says 1.09
